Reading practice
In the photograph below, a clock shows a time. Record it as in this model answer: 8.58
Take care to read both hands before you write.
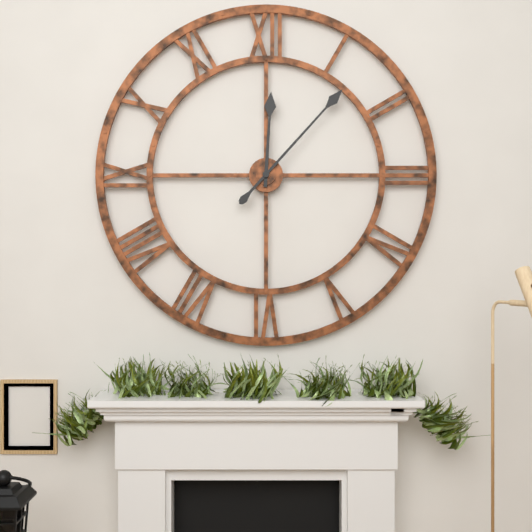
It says 12.07
